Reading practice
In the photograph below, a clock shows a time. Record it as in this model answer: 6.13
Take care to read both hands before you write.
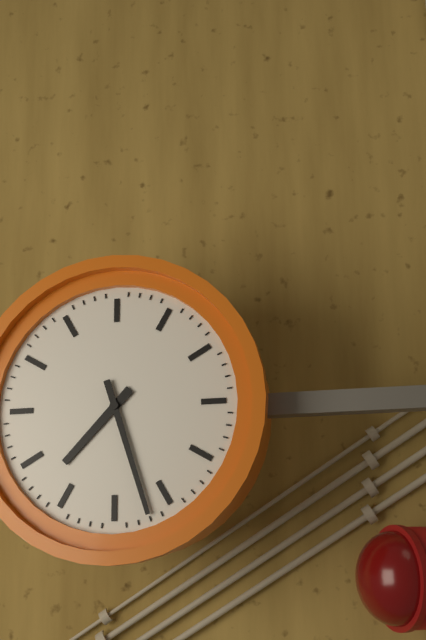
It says 7.27
